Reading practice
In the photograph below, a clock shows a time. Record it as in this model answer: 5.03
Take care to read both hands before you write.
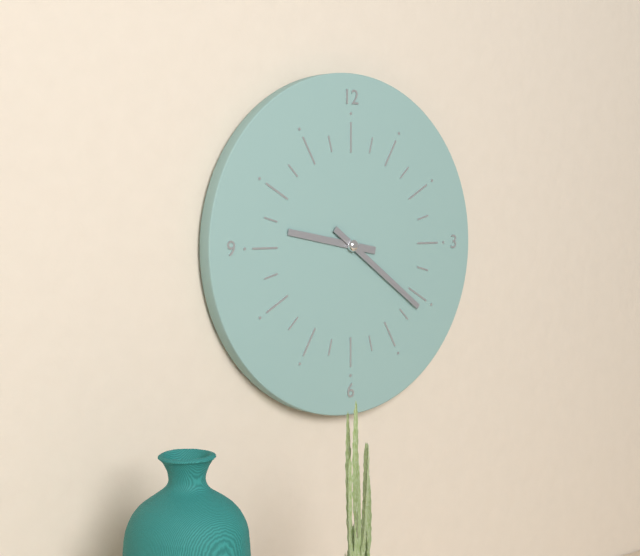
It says 9.21
